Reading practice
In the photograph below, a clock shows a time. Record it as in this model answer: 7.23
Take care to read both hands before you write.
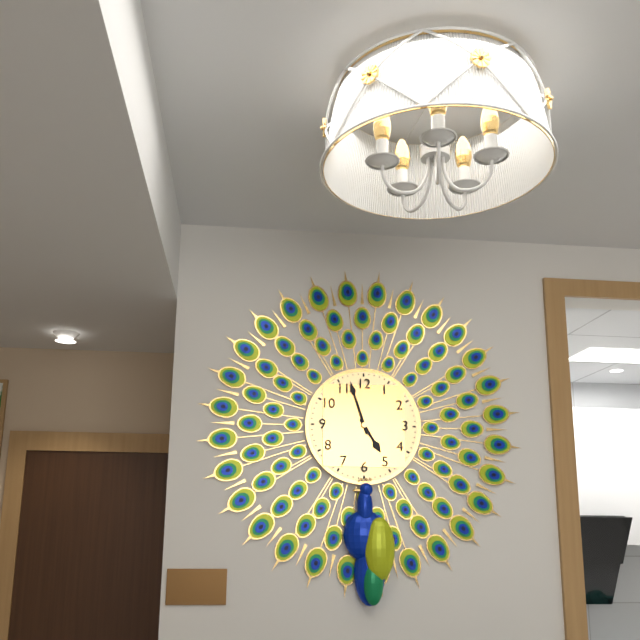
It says 4.57
